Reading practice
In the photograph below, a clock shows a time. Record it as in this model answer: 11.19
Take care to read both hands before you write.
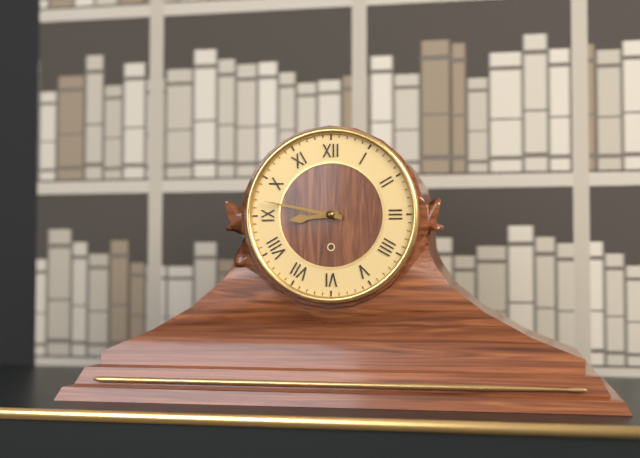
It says 8.47
